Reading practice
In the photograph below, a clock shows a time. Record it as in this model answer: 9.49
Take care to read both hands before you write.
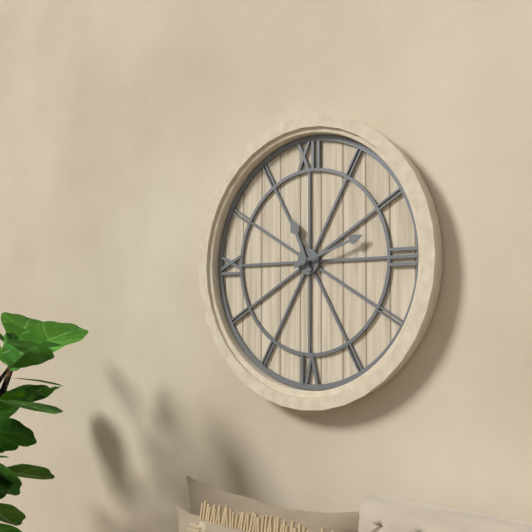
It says 11.12
